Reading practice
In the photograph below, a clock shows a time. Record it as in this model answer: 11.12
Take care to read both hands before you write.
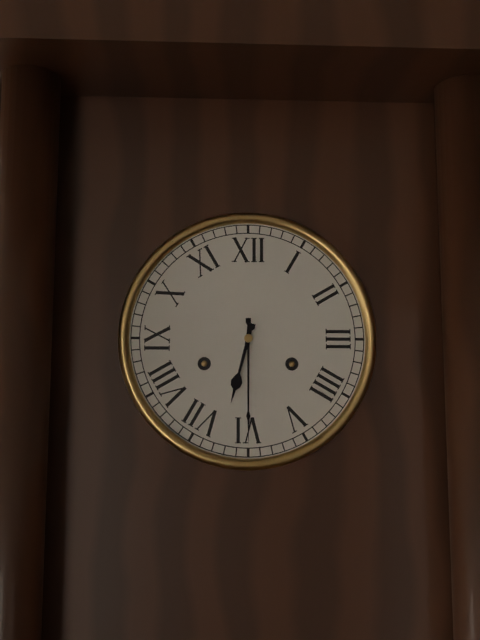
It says 6.30
